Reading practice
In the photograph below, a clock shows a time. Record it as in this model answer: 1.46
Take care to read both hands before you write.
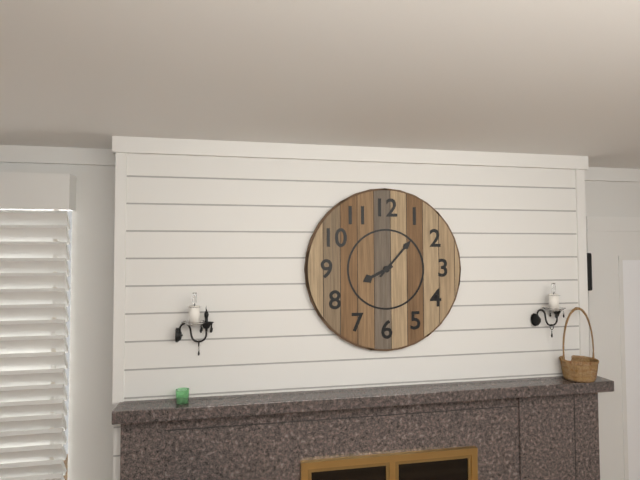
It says 8.07
